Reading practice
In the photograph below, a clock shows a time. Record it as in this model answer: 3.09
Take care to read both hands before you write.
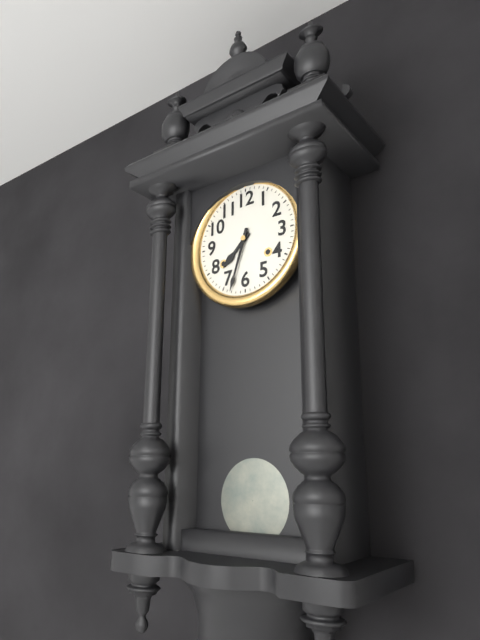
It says 7.33
